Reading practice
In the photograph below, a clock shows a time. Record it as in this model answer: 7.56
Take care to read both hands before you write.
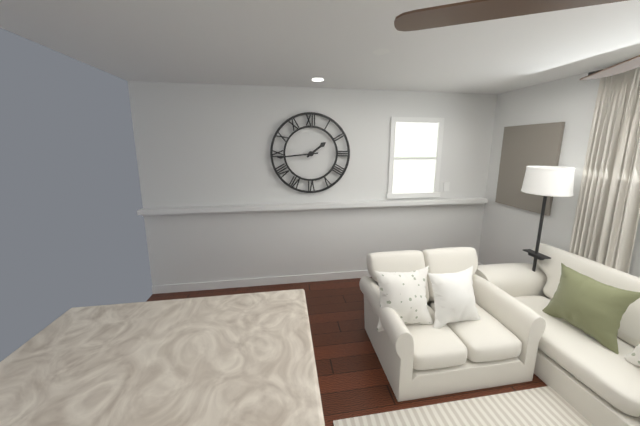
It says 1.44
